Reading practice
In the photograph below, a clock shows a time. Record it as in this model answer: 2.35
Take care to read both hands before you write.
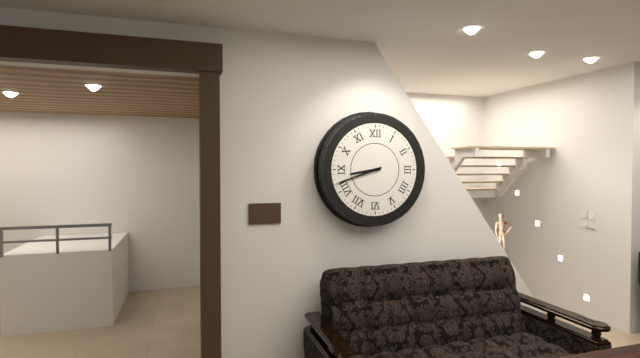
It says 8.42
